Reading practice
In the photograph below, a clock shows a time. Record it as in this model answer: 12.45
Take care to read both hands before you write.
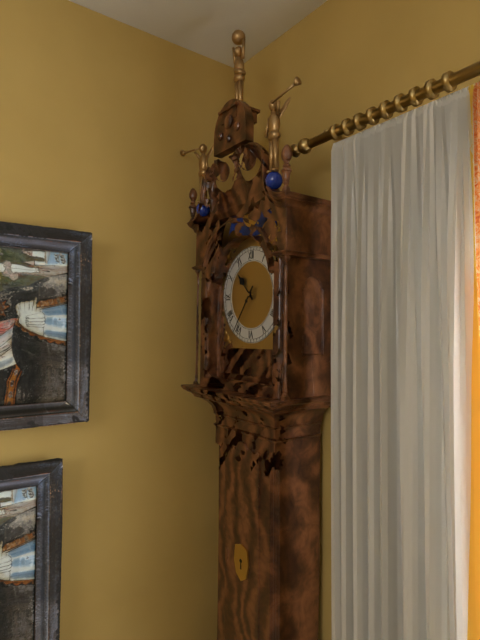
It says 10.36
